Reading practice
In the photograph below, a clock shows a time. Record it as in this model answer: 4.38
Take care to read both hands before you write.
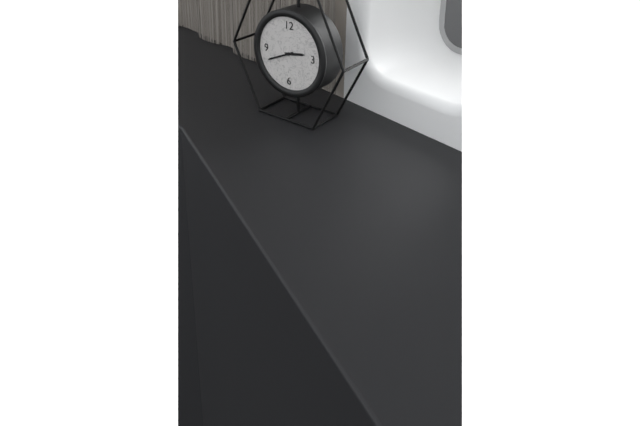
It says 2.41
